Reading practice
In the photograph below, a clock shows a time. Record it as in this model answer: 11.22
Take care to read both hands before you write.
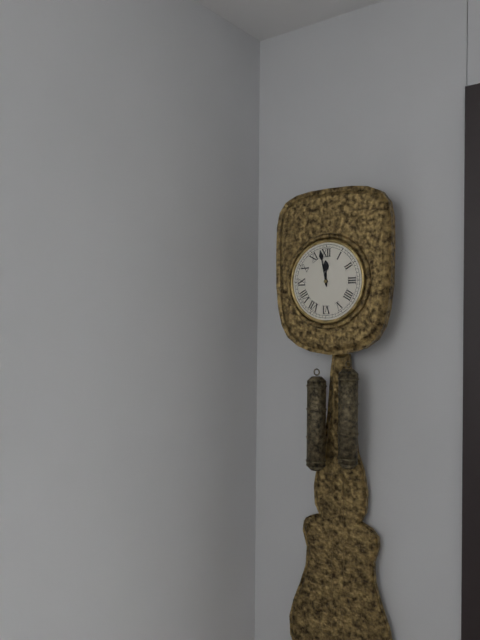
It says 11.58
